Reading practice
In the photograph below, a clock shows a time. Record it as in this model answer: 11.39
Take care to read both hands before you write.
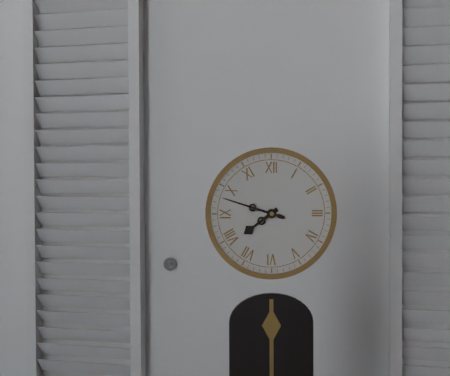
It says 7.48
